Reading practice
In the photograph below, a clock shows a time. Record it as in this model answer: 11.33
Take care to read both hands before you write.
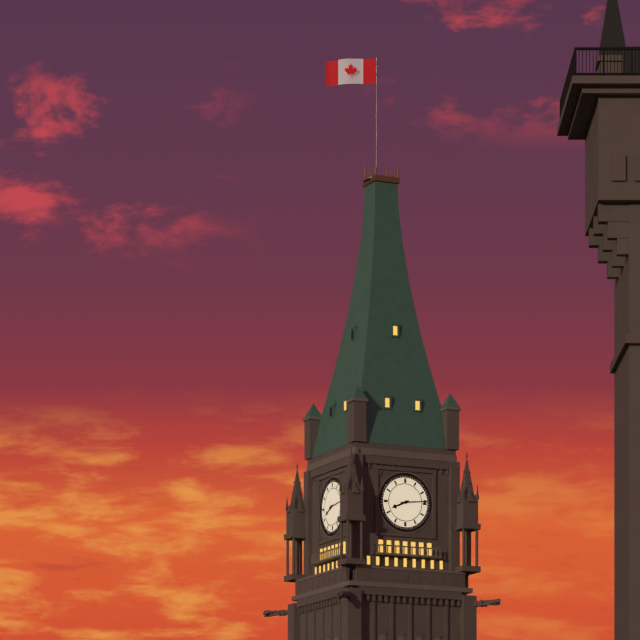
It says 8.14
